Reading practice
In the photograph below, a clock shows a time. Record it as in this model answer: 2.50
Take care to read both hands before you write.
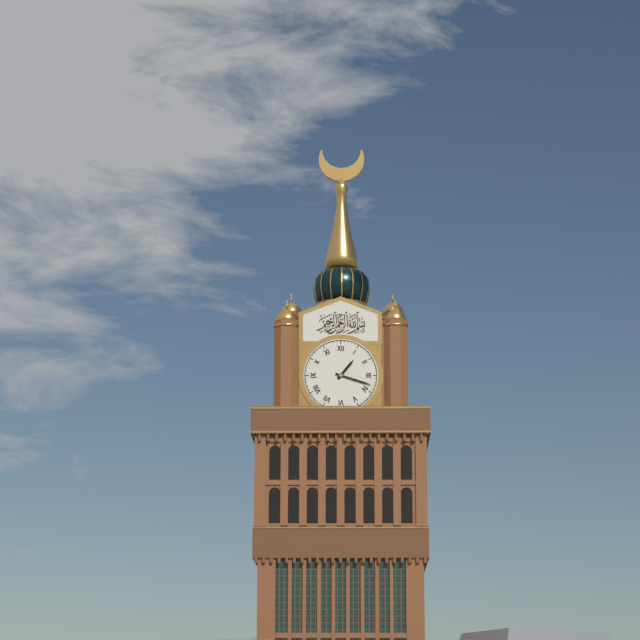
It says 1.18
